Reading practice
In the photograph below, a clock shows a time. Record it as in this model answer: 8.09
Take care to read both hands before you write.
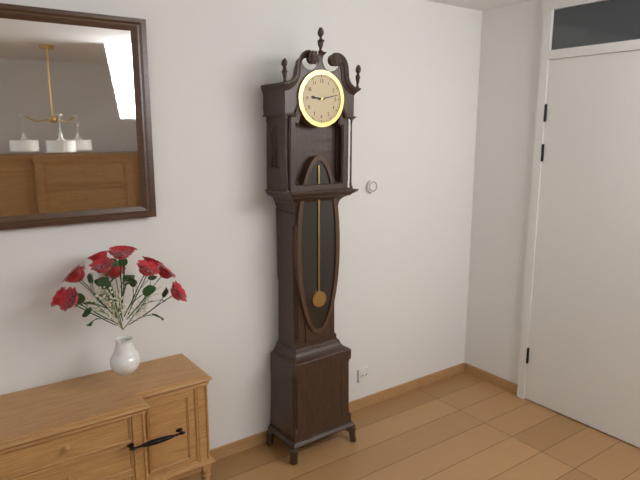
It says 9.13
